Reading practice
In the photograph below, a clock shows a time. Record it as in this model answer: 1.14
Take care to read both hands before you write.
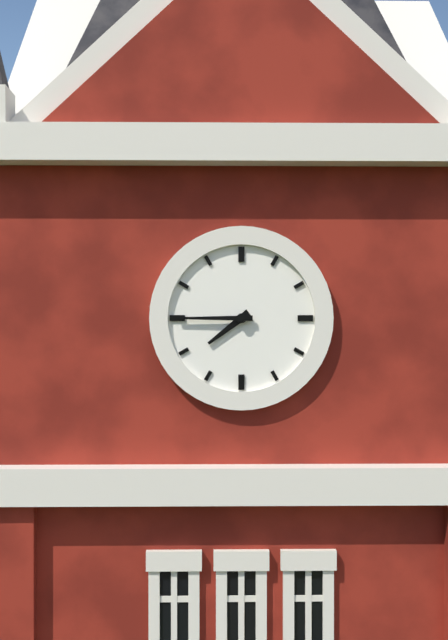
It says 7.45
